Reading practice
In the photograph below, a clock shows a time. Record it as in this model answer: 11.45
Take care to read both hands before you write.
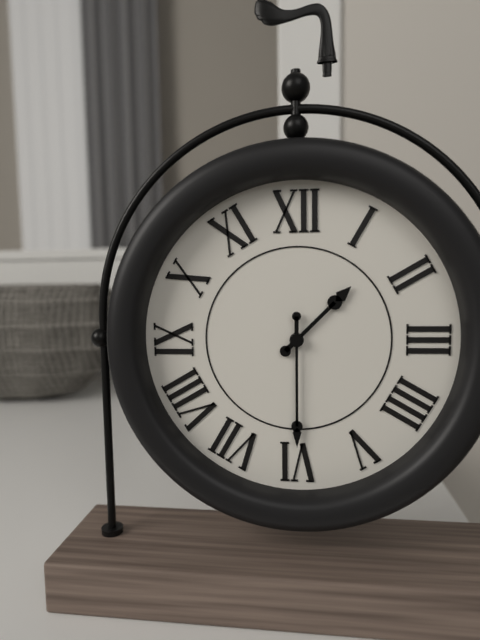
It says 1.30
